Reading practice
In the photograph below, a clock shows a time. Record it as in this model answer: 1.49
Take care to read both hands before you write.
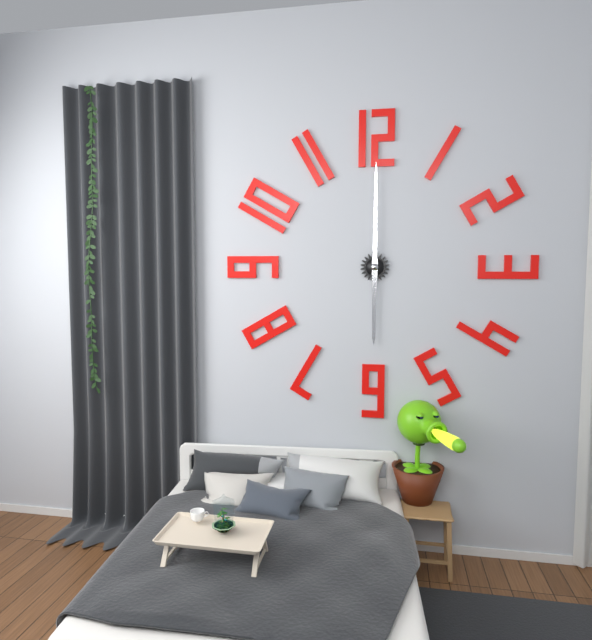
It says 6.00
